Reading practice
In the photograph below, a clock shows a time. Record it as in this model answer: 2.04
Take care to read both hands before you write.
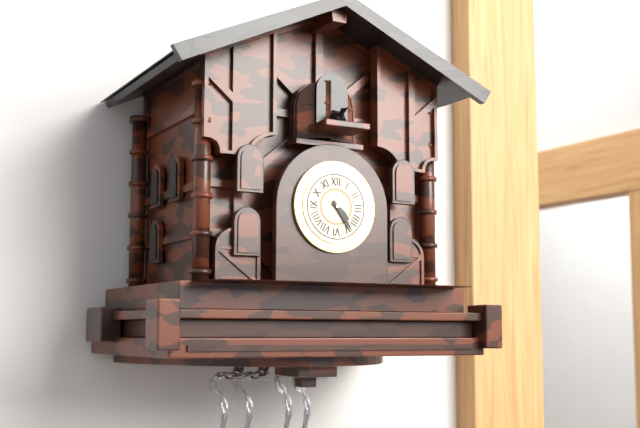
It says 4.24
